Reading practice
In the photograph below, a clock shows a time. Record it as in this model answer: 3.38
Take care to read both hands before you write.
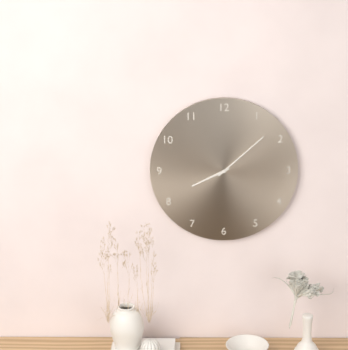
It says 8.08
